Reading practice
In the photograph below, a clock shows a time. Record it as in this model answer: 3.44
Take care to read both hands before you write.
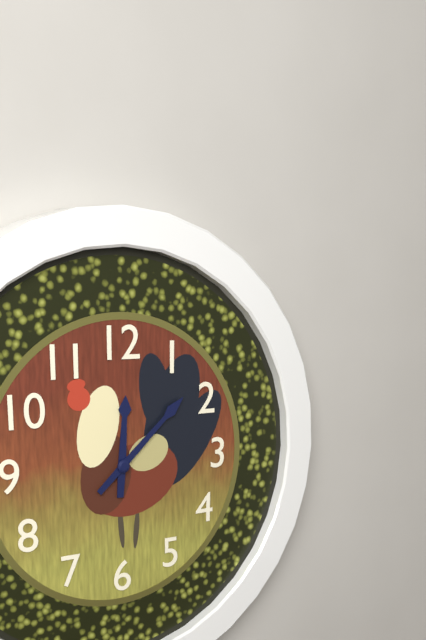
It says 12.08
